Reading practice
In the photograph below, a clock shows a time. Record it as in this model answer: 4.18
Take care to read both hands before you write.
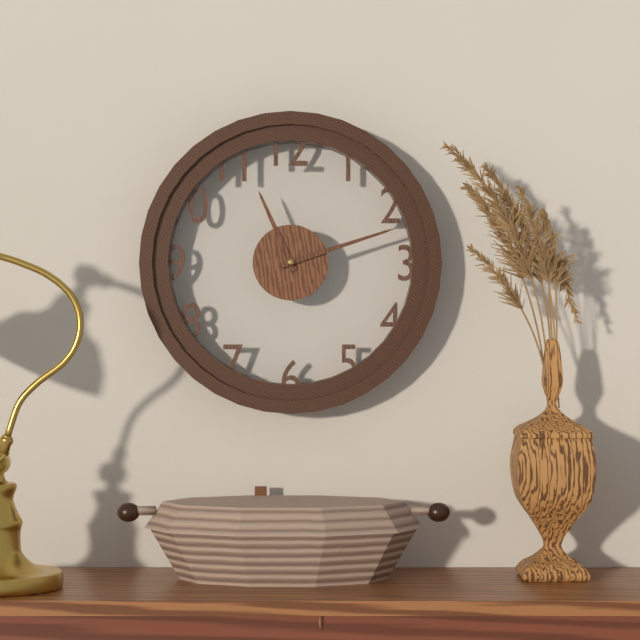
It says 11.12
